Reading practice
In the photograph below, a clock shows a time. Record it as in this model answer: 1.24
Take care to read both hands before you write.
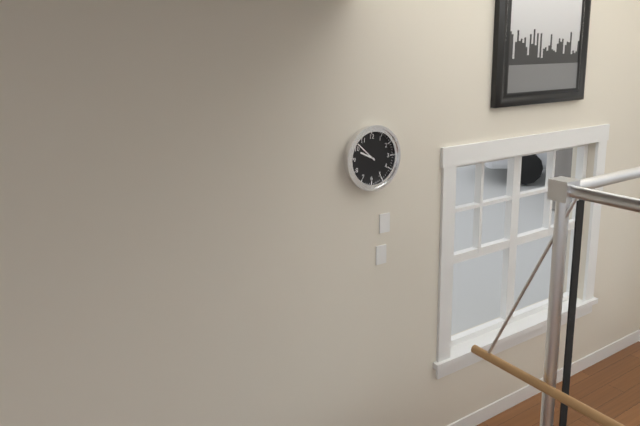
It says 9.52
